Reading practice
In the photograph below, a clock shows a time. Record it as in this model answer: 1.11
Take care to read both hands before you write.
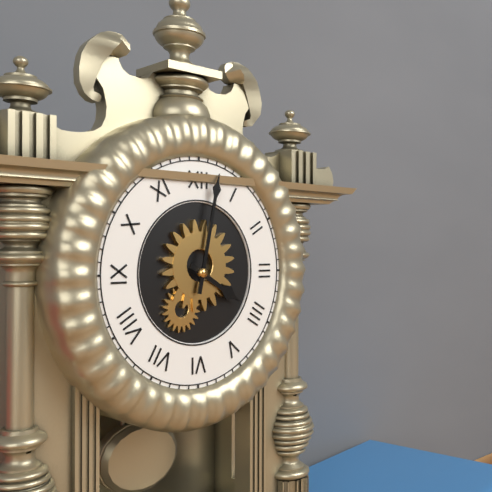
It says 4.02
